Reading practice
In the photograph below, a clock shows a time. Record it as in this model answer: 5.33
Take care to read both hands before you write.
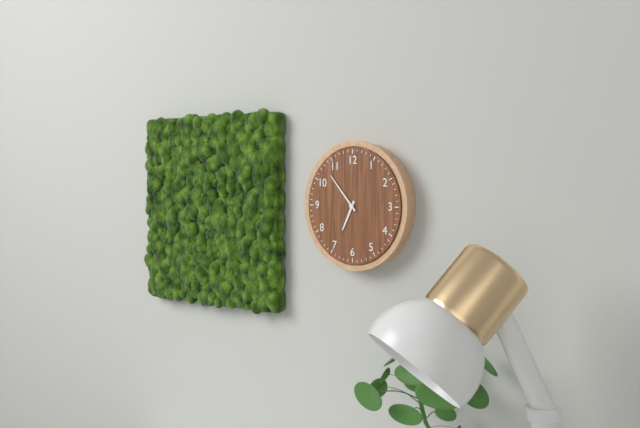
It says 6.53
